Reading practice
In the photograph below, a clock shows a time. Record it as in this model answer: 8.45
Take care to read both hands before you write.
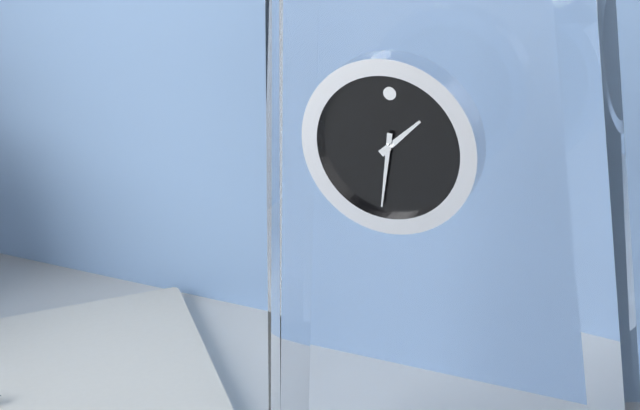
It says 1.31
